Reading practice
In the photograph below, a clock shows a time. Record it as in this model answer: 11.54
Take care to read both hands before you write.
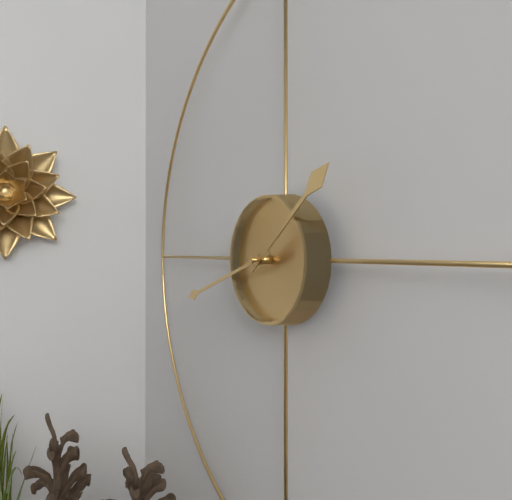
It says 1.42
